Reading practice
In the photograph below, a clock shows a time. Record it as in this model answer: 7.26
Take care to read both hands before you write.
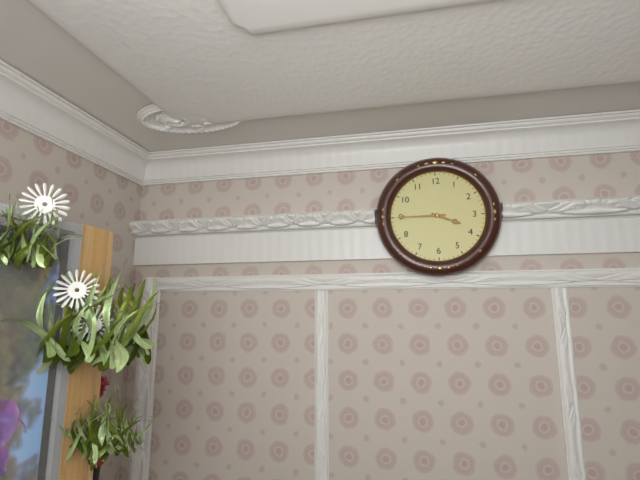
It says 3.45
